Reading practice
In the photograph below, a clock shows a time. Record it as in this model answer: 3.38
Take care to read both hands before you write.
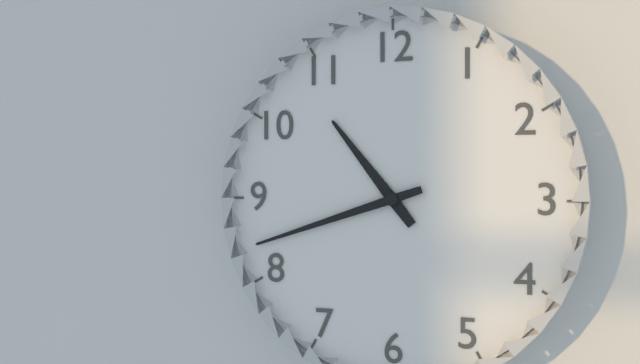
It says 10.42
